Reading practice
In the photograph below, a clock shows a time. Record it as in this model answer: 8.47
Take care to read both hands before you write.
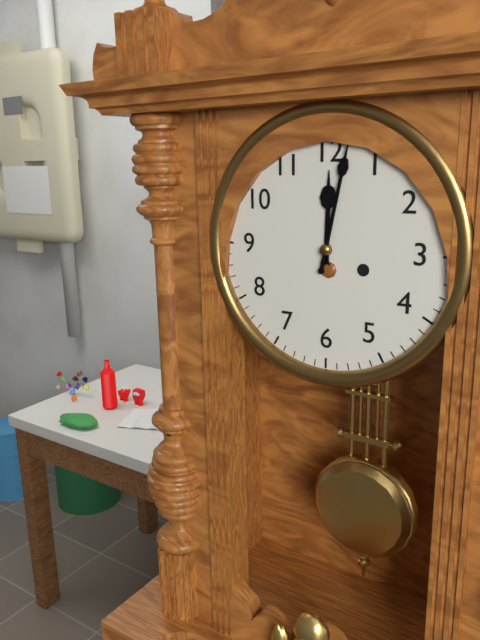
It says 12.02
